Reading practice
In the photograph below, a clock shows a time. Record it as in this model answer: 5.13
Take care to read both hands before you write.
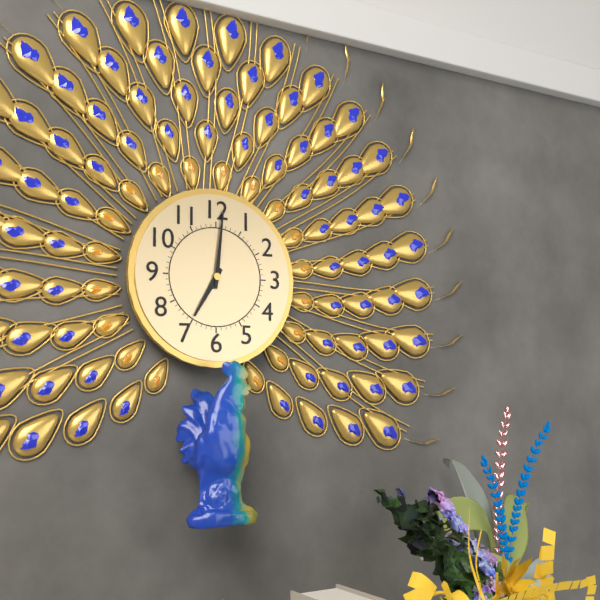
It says 7.01
